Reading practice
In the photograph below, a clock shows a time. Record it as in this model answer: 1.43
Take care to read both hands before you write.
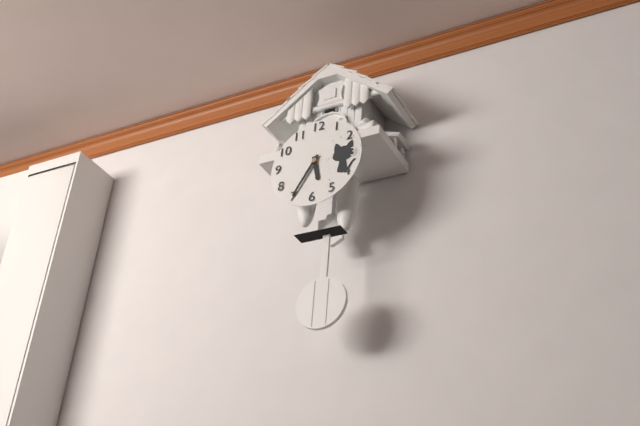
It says 5.35
